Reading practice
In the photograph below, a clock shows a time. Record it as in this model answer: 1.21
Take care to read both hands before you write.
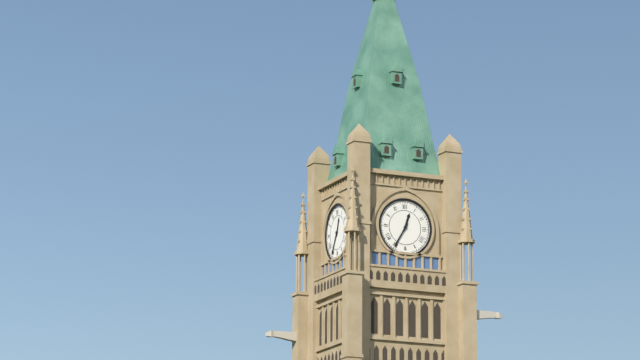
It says 12.35
